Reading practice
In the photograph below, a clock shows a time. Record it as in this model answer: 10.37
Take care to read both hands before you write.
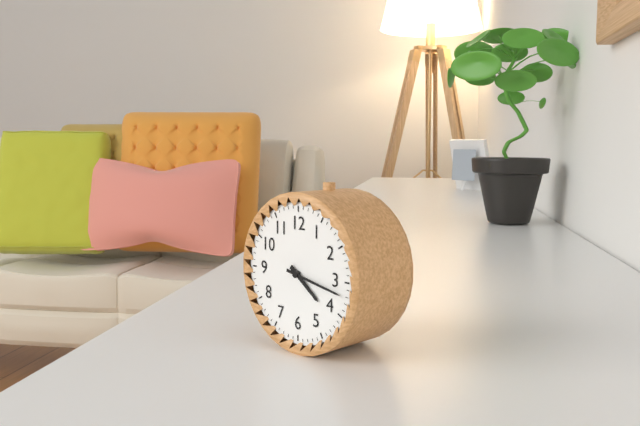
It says 4.17
